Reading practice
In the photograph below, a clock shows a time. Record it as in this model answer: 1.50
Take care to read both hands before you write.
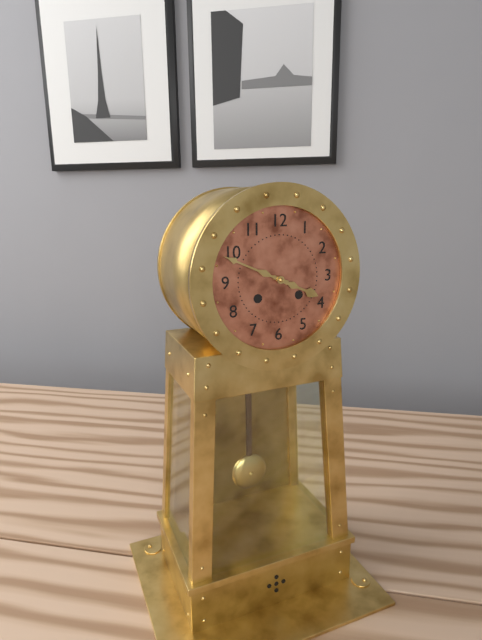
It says 3.49
